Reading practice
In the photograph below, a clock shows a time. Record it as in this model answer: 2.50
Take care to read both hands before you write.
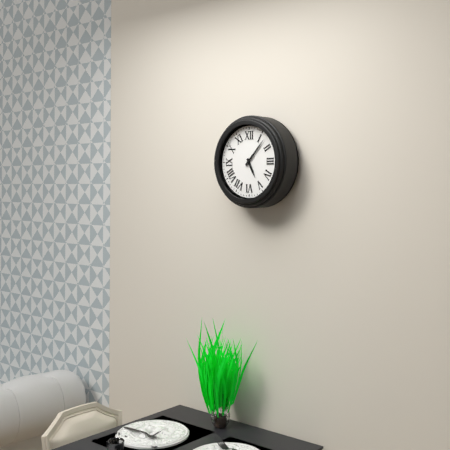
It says 5.07
